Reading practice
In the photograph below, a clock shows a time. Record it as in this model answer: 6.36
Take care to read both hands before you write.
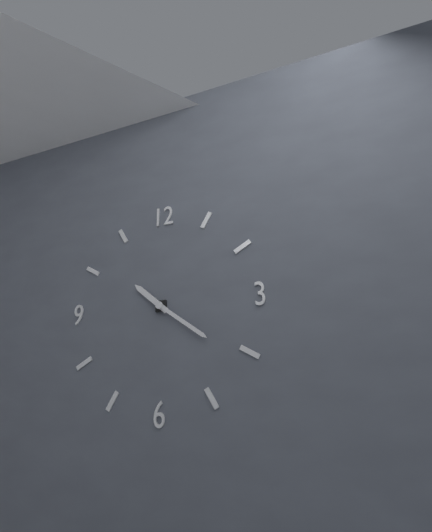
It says 10.21
